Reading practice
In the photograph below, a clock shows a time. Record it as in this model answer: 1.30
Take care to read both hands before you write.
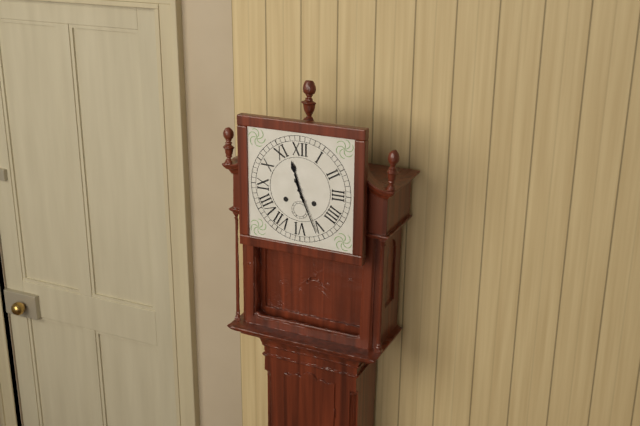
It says 11.26
